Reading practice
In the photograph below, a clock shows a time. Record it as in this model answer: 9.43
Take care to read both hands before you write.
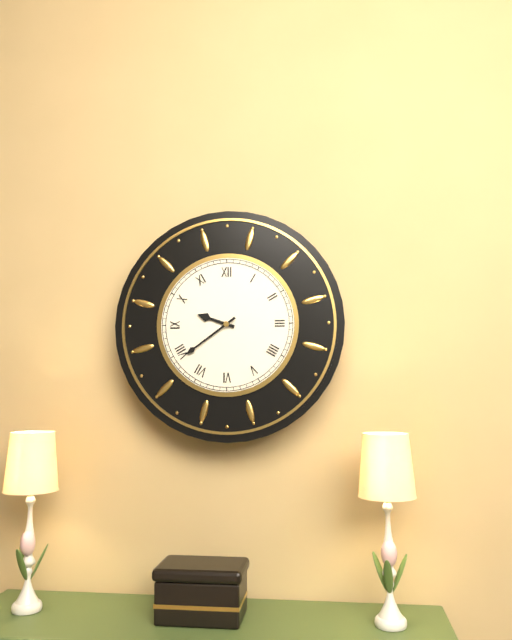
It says 9.39
